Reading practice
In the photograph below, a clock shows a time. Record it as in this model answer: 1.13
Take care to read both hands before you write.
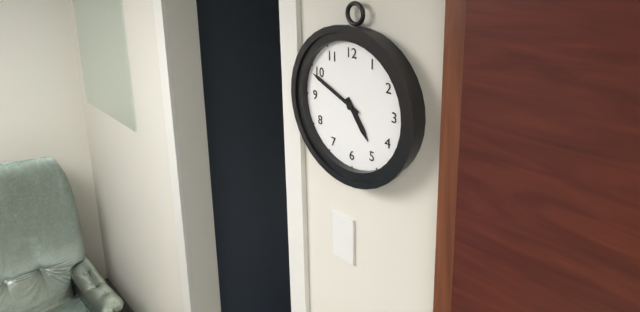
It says 4.49
